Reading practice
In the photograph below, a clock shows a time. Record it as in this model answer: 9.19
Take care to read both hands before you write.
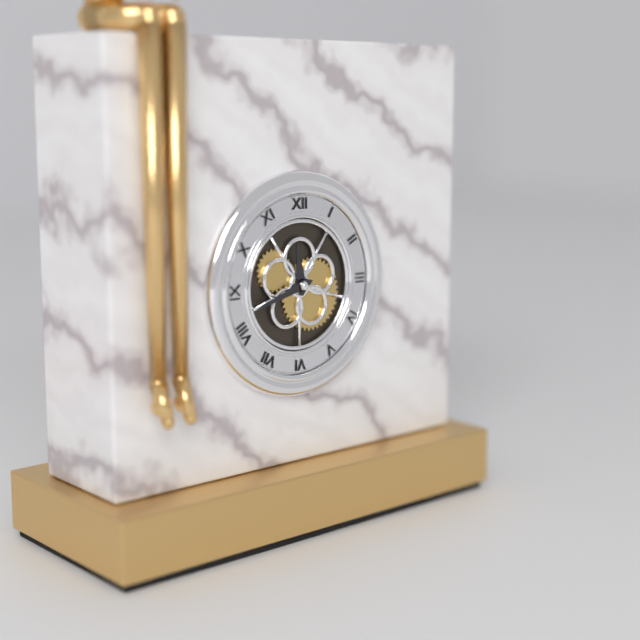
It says 11.42
